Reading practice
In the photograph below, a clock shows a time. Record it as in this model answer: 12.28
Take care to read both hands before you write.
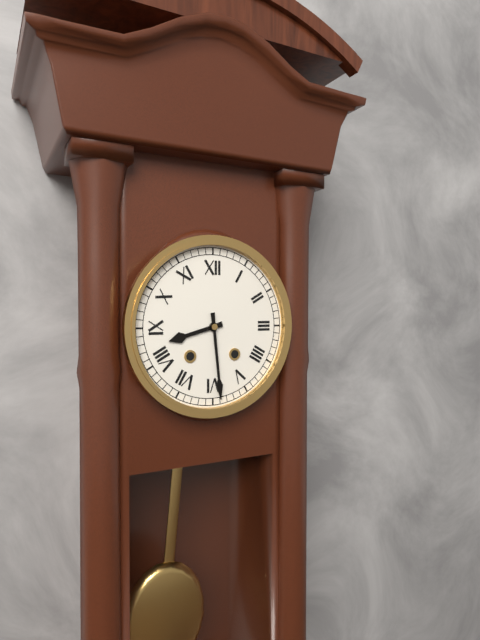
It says 8.29
